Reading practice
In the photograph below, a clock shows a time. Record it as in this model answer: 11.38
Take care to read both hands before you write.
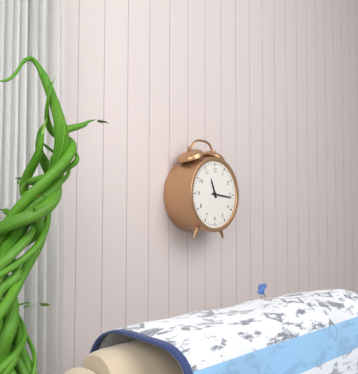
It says 11.16
